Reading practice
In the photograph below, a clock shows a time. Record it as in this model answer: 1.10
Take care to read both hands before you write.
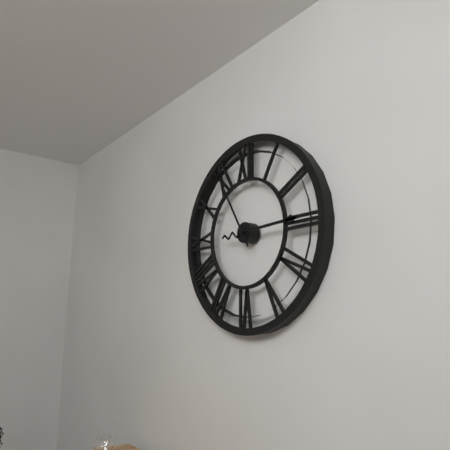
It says 2.55
